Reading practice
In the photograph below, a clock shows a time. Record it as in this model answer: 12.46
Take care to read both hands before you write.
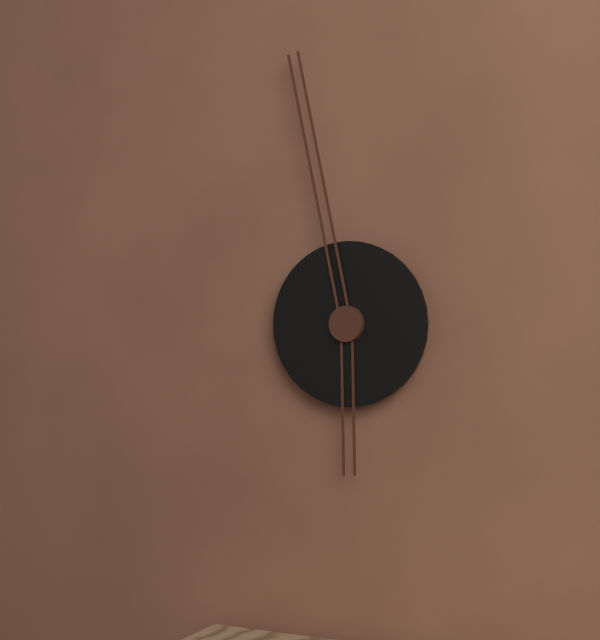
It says 5.58
